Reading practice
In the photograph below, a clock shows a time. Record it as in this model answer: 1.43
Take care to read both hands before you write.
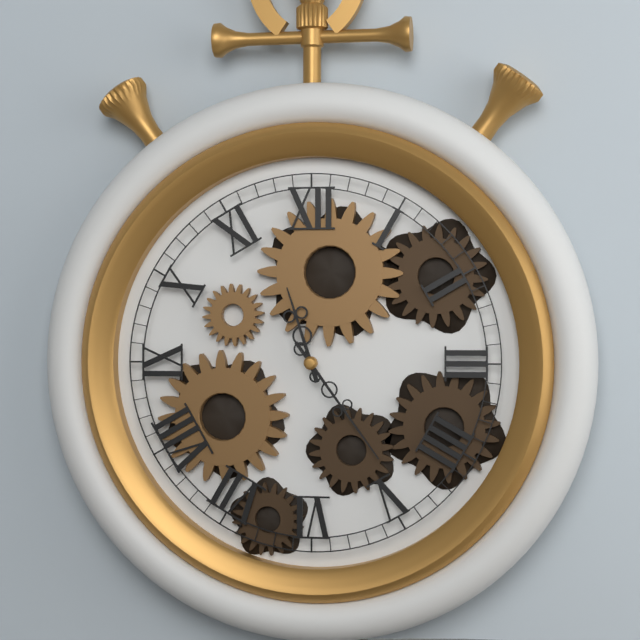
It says 11.24
